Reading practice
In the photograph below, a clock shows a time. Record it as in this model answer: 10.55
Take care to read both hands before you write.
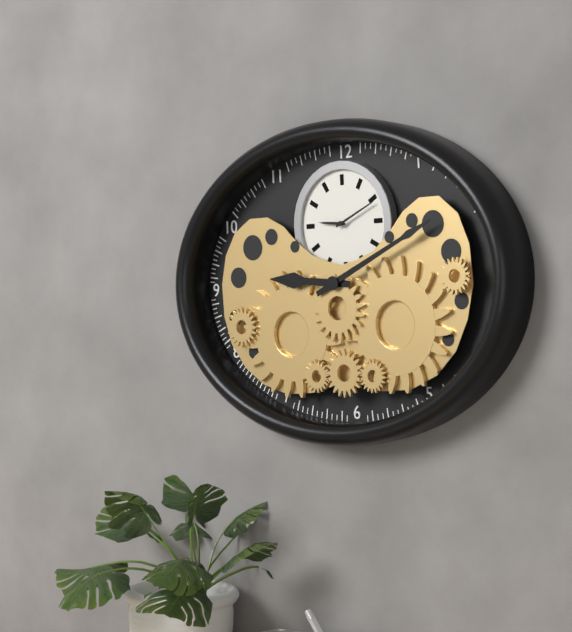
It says 9.11
